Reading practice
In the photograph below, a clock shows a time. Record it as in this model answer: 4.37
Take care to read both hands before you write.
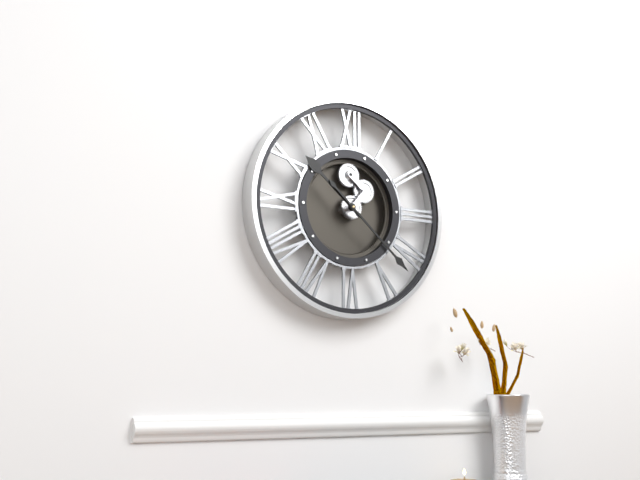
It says 10.22
